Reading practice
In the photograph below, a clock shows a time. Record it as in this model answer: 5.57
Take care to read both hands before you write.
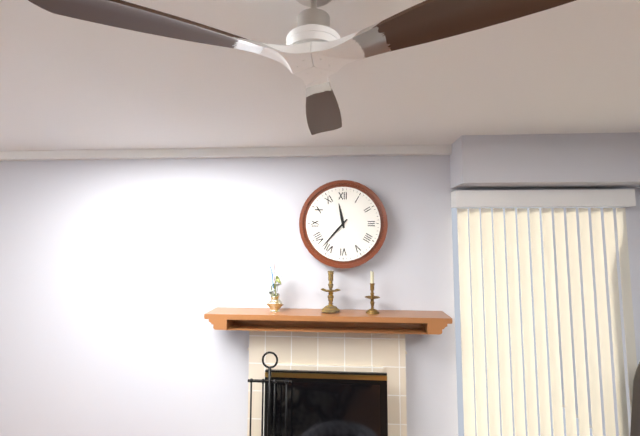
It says 11.37
